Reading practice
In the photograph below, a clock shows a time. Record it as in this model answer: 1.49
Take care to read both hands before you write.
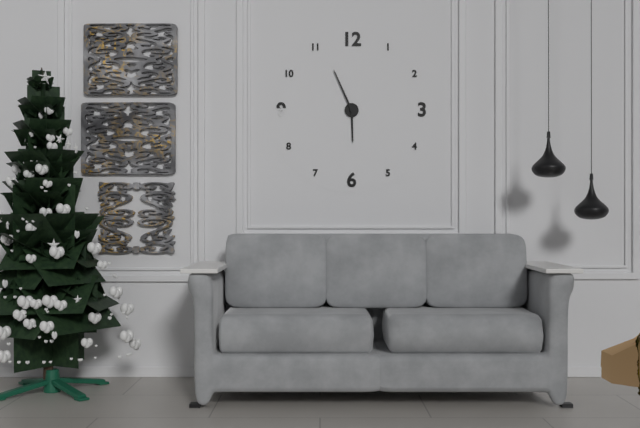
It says 5.56
